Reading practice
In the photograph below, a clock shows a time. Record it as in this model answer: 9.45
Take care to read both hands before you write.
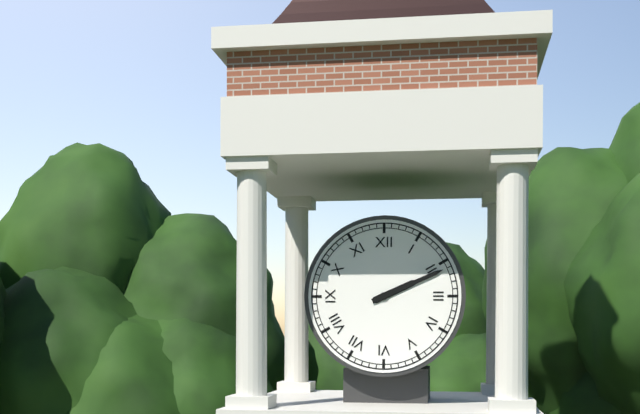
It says 2.11
